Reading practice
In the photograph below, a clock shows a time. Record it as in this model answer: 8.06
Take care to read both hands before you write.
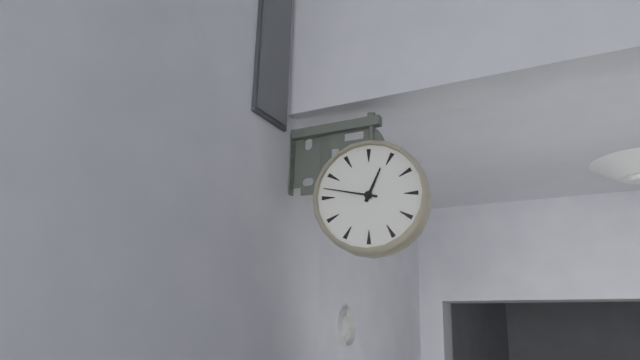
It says 12.47
